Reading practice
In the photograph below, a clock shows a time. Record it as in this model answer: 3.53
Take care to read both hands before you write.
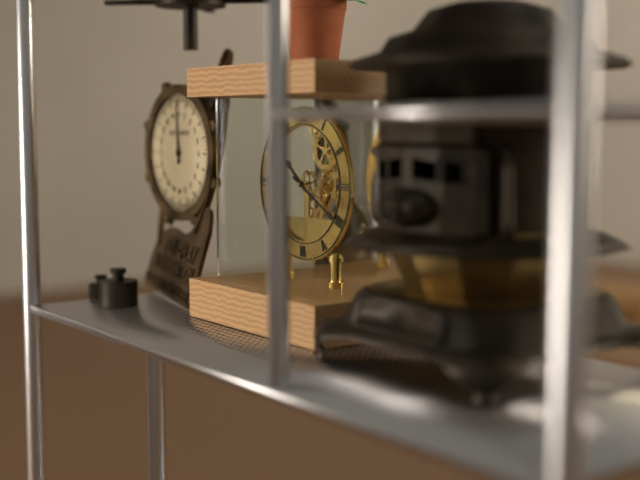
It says 10.20
